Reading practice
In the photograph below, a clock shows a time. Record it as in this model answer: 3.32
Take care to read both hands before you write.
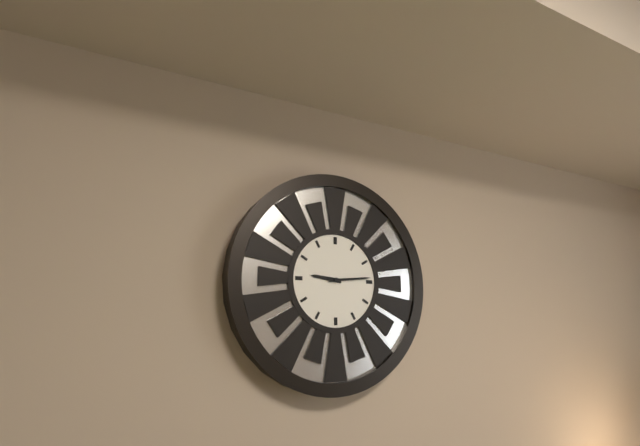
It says 9.14
